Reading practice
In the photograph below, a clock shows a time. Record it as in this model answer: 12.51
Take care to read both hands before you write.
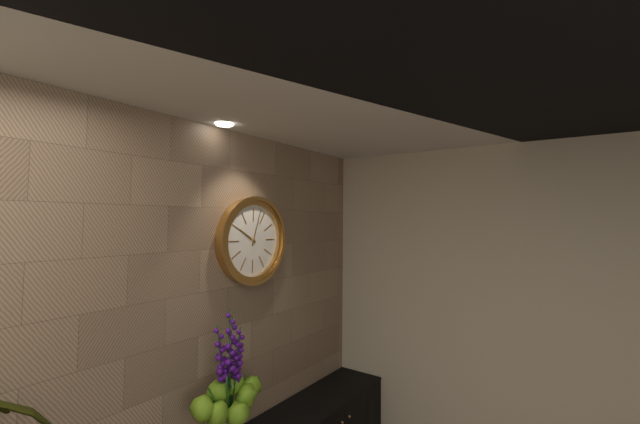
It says 10.03
